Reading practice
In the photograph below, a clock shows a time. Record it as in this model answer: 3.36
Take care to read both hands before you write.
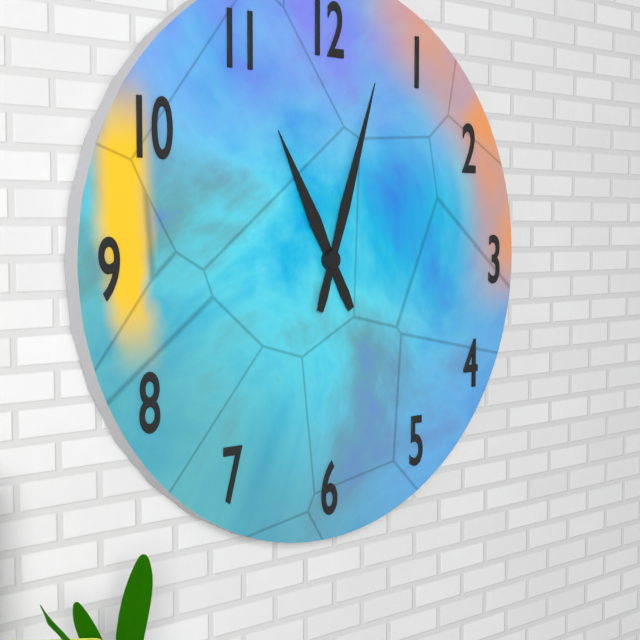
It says 11.03
